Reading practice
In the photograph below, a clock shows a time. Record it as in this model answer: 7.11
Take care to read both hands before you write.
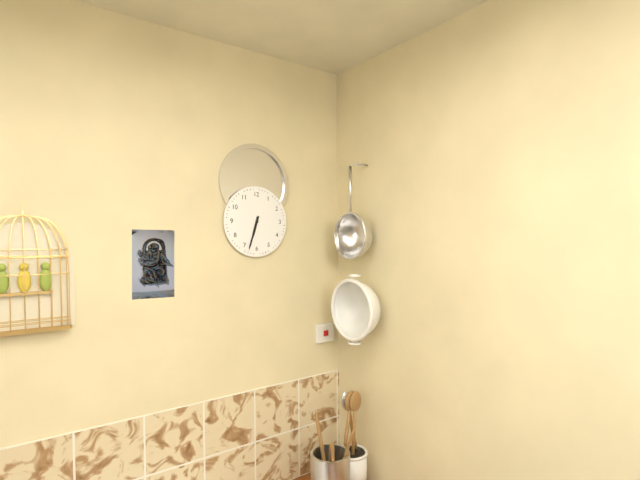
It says 6.33
